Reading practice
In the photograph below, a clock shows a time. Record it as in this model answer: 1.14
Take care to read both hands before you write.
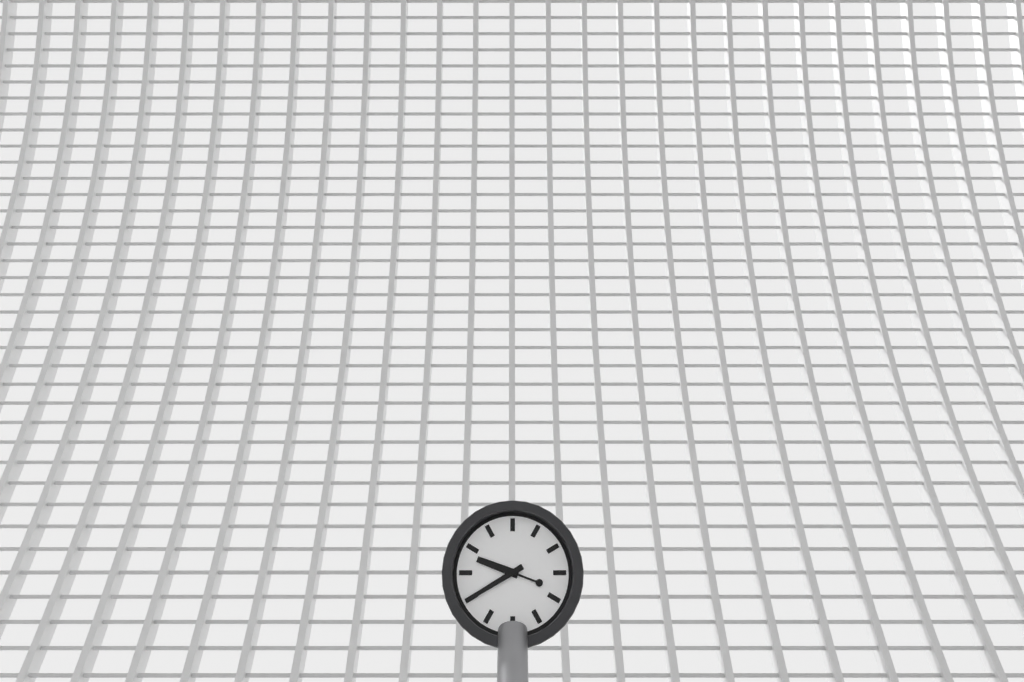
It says 9.40
